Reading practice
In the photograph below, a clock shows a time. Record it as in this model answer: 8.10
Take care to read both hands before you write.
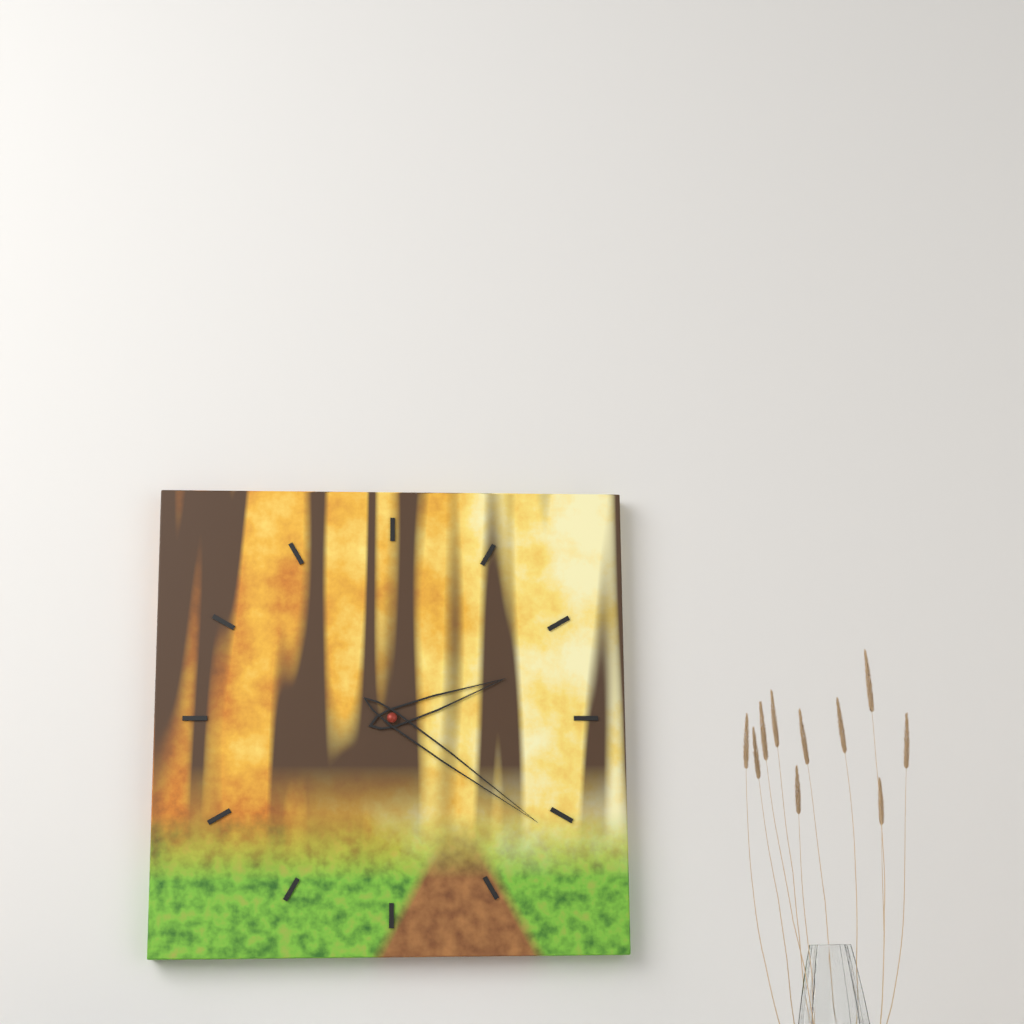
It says 2.21
